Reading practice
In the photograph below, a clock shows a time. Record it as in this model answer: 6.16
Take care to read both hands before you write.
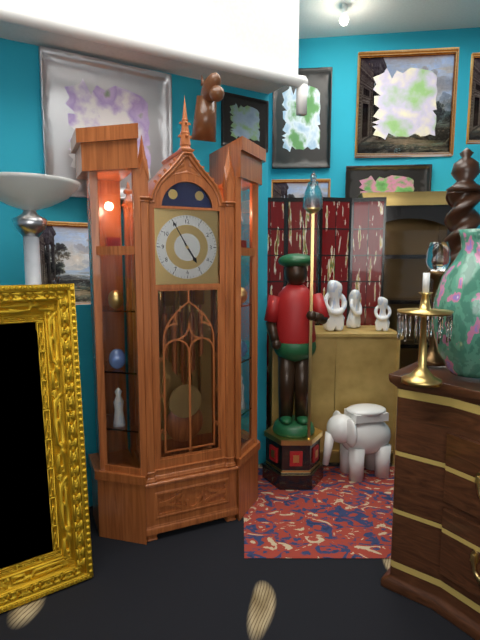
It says 4.55
